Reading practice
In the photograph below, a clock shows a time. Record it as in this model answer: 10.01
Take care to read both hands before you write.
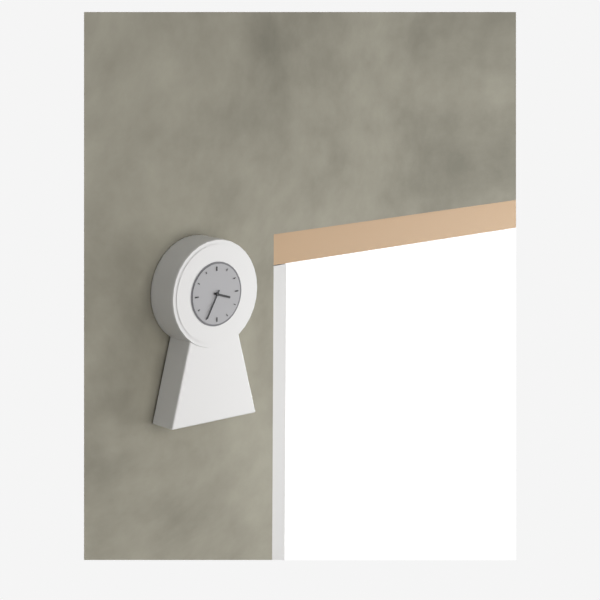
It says 3.35
